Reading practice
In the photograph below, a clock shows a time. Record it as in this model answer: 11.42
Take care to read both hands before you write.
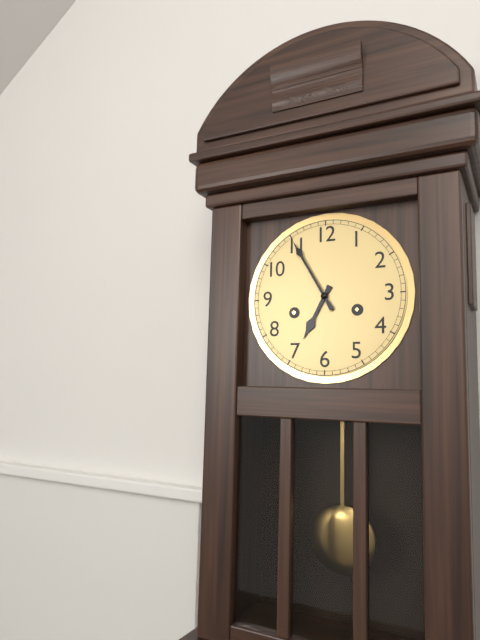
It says 6.55
